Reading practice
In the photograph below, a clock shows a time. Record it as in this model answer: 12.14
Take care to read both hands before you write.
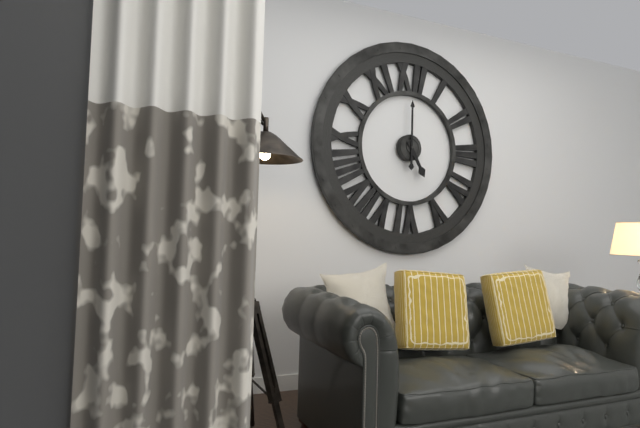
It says 5.00
